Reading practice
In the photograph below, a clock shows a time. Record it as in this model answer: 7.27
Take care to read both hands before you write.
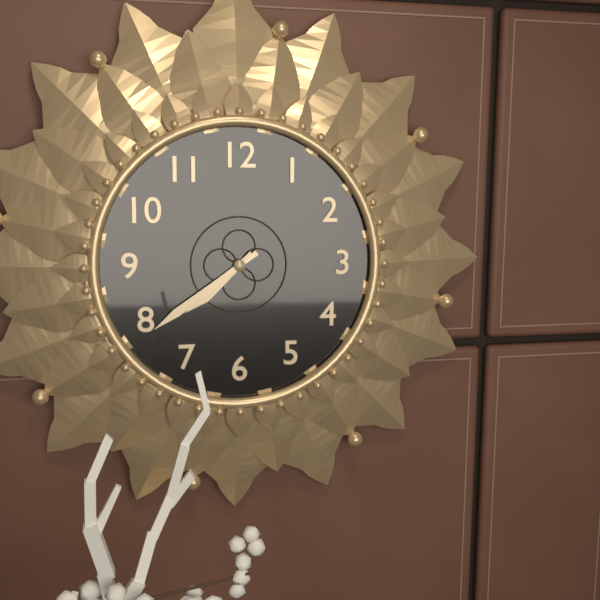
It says 7.39
